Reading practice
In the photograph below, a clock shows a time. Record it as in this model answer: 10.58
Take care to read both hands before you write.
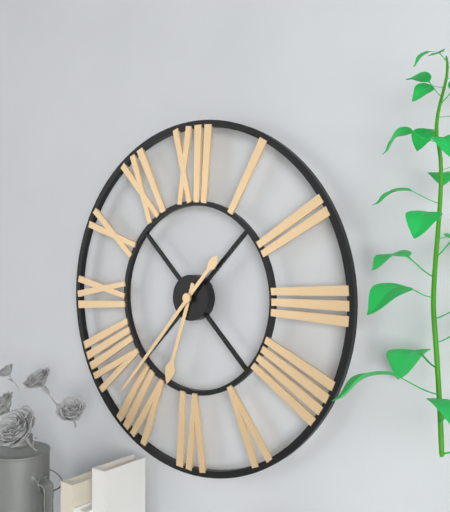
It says 6.37
